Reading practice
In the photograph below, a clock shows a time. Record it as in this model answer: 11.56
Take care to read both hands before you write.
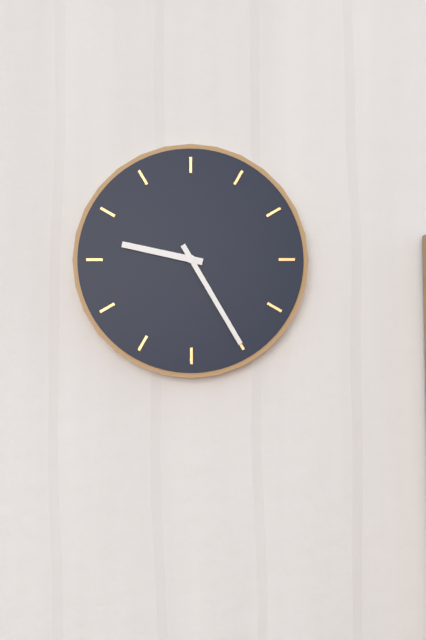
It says 9.25
